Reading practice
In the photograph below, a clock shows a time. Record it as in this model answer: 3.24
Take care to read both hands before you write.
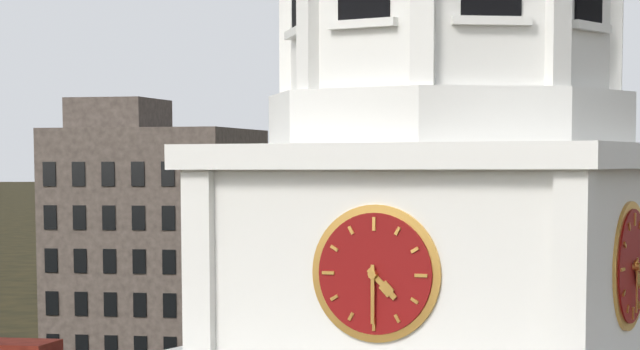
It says 4.30
